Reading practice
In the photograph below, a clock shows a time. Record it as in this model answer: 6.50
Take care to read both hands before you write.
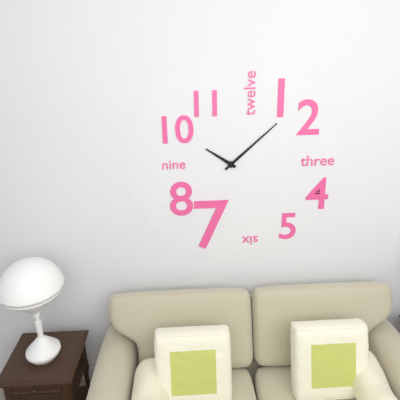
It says 10.08
